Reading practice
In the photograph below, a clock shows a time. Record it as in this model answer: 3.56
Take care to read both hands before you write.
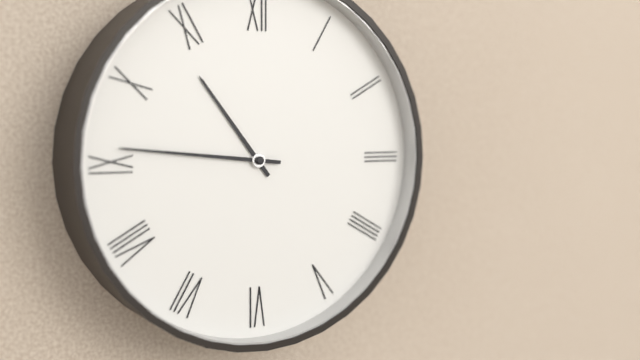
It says 10.46
